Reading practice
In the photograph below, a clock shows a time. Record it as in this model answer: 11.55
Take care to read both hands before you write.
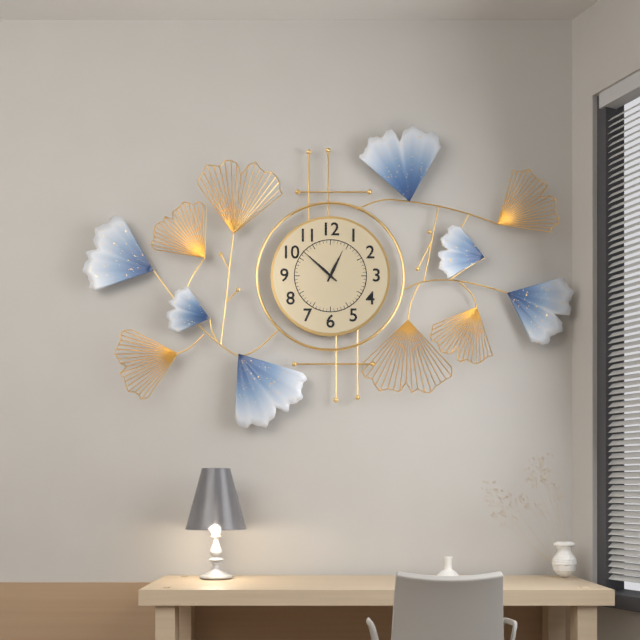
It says 12.52
